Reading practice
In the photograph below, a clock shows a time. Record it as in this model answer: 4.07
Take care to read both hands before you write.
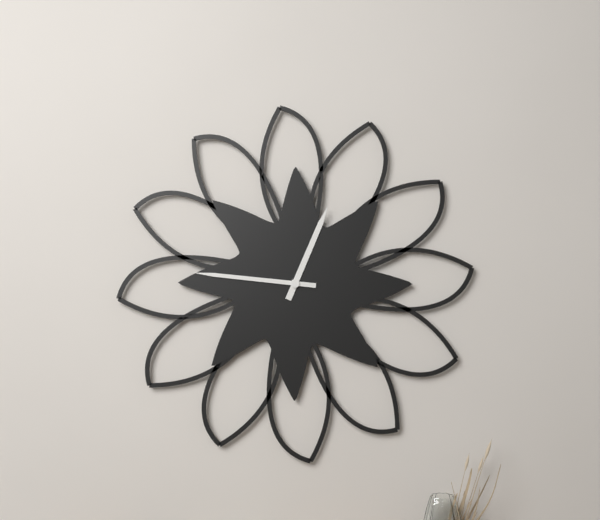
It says 12.46
